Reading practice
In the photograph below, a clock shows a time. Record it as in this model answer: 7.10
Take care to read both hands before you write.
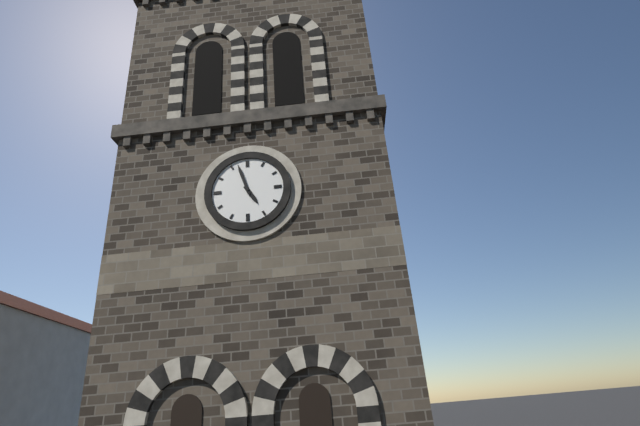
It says 4.57
